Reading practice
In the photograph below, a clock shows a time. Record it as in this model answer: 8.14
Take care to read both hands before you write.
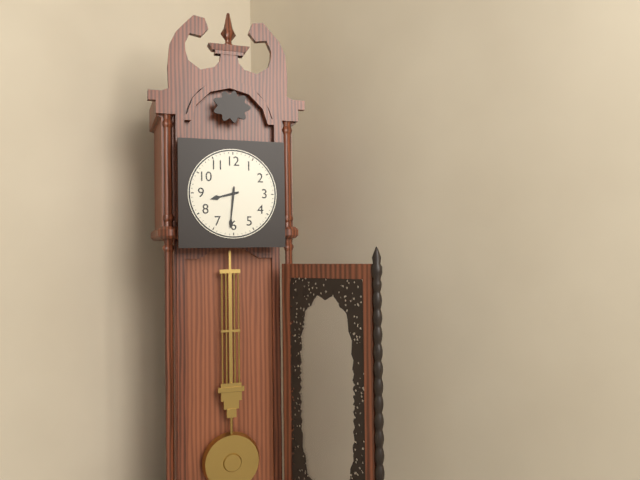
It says 8.31
